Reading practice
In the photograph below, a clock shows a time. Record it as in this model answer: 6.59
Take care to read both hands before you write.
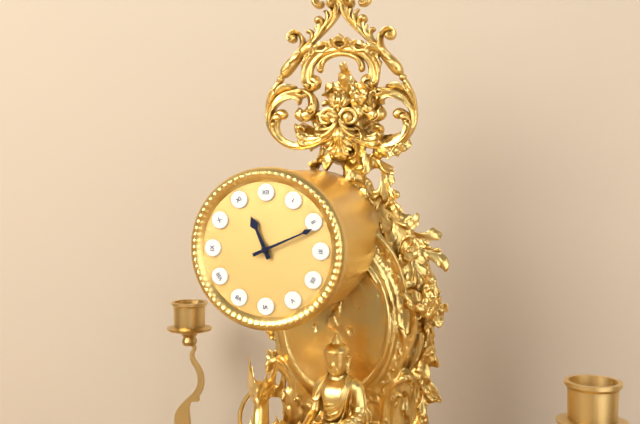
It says 11.11
